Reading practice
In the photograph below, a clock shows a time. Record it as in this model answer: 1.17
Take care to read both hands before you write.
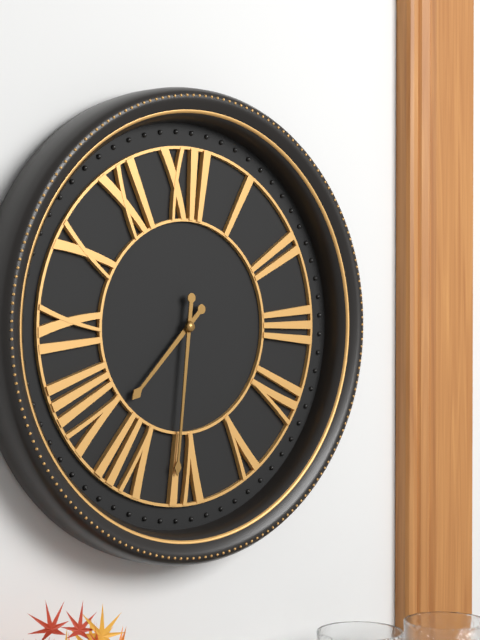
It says 7.31
